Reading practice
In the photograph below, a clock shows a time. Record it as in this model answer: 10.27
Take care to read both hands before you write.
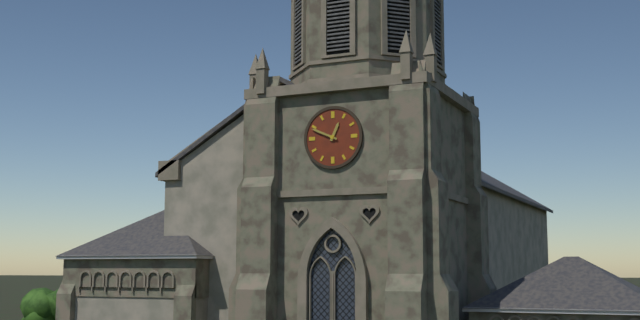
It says 12.49
